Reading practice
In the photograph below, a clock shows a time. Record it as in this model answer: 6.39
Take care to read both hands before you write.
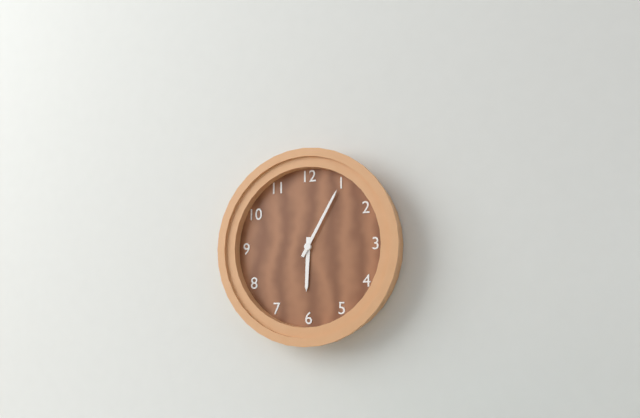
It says 6.05
